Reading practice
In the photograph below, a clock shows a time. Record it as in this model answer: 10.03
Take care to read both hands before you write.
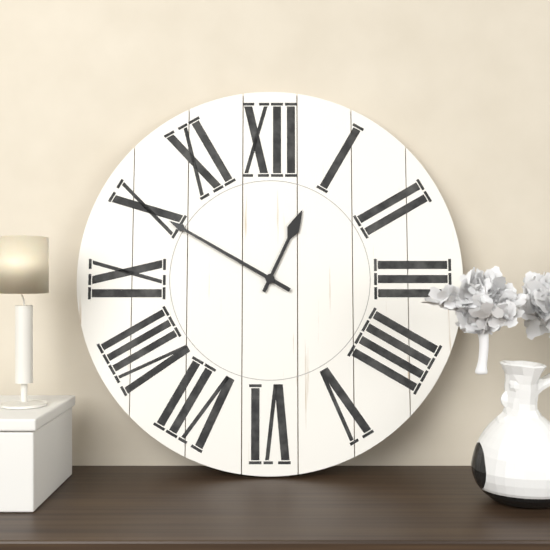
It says 12.50
